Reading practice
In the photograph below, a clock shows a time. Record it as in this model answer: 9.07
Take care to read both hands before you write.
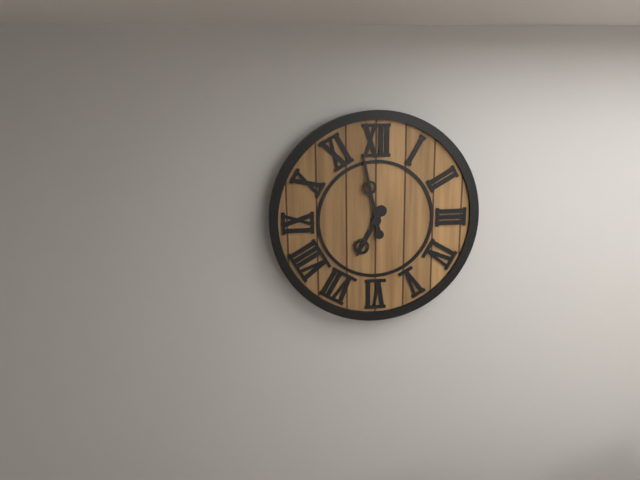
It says 6.58
